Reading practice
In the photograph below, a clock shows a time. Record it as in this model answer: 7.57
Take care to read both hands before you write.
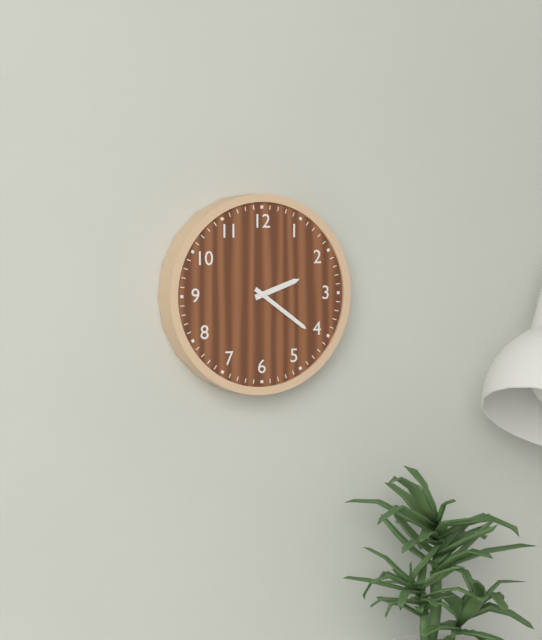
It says 2.21
